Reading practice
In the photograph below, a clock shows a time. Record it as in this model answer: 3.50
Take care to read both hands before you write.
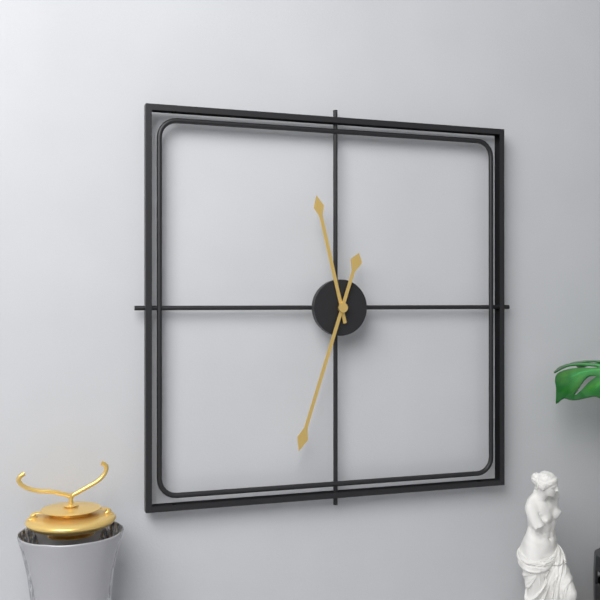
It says 11.33
